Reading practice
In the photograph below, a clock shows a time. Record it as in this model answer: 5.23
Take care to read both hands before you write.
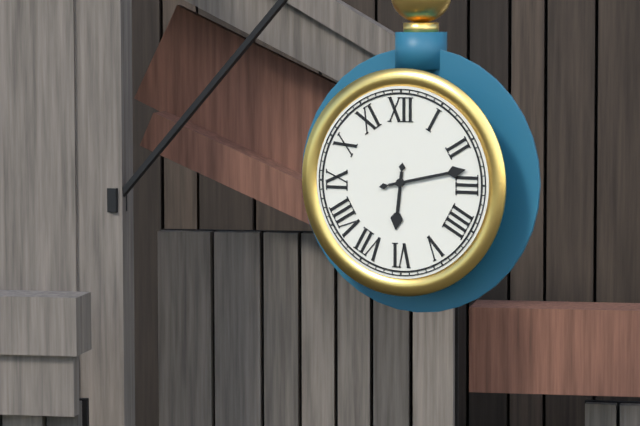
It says 6.13
